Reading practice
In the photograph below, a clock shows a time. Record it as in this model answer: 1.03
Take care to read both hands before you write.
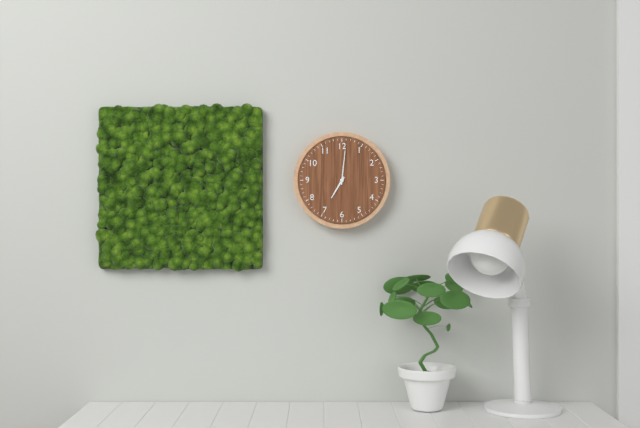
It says 7.01
